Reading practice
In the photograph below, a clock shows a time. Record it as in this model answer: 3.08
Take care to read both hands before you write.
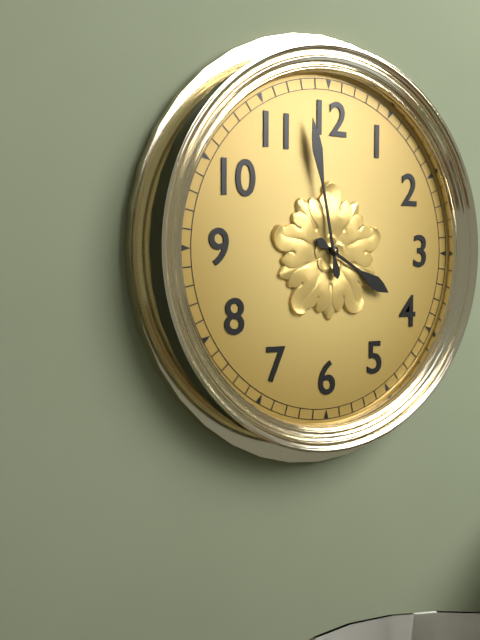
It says 3.58
